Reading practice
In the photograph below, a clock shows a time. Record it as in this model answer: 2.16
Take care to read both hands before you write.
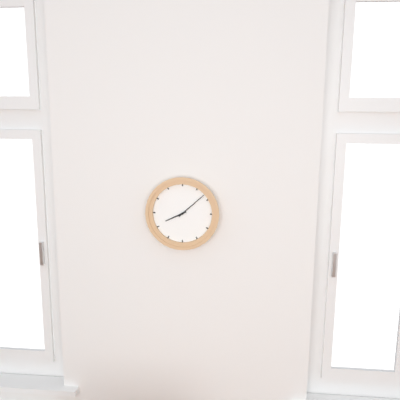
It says 8.08
